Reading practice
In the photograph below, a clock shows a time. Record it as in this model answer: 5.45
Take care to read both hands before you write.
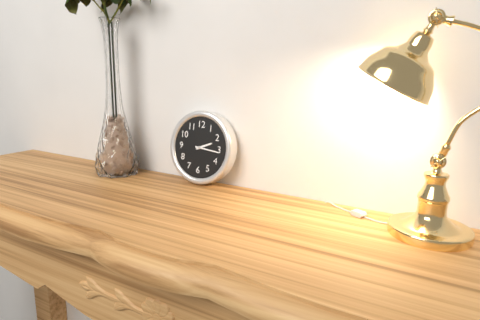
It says 2.16
